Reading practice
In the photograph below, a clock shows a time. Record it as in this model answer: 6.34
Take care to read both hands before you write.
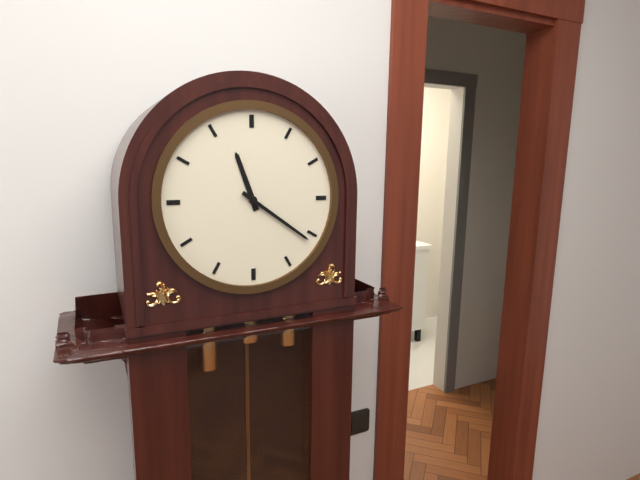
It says 11.21
